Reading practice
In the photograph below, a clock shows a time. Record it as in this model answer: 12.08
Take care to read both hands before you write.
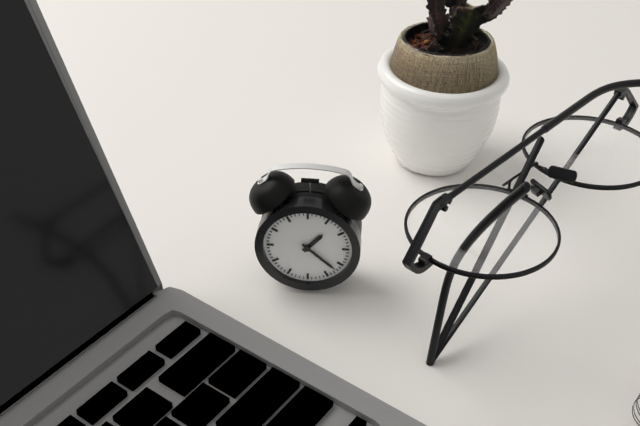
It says 1.22
